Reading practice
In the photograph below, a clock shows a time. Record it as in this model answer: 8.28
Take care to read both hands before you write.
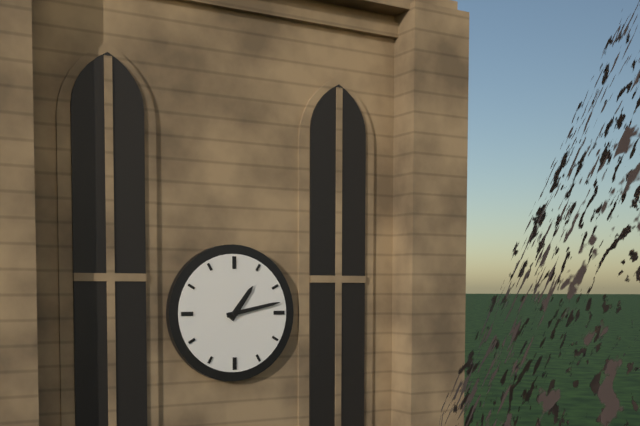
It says 1.13
